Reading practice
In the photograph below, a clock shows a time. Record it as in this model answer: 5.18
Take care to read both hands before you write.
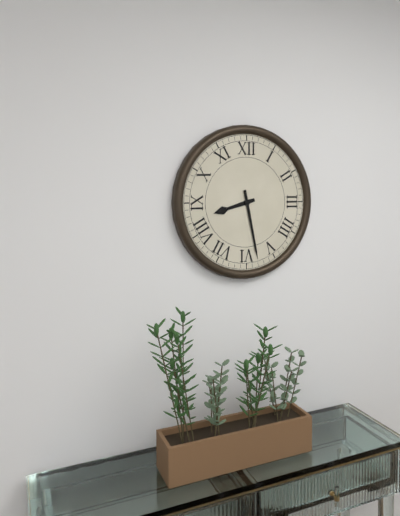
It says 8.28
